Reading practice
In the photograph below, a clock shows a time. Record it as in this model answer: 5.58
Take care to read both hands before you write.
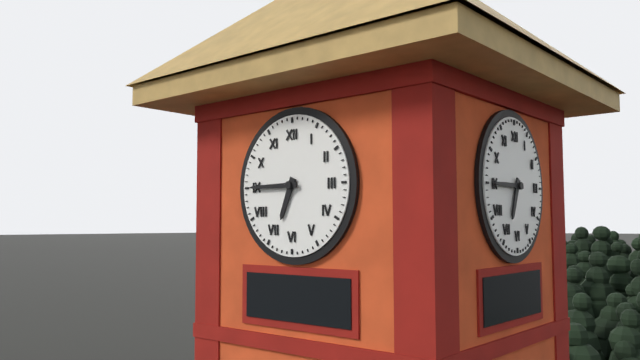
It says 6.45
